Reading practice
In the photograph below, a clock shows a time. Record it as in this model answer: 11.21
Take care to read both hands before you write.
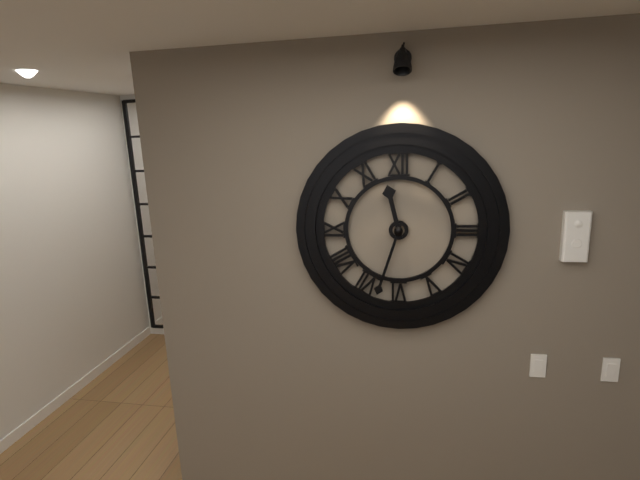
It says 11.33
